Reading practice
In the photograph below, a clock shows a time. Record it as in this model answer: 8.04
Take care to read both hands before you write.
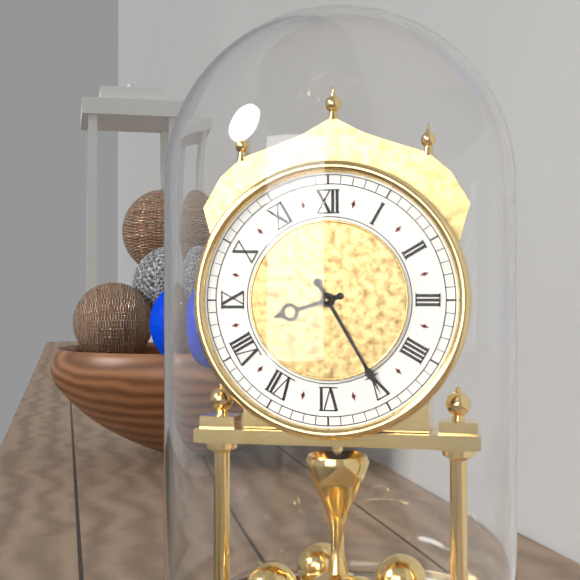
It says 8.25
